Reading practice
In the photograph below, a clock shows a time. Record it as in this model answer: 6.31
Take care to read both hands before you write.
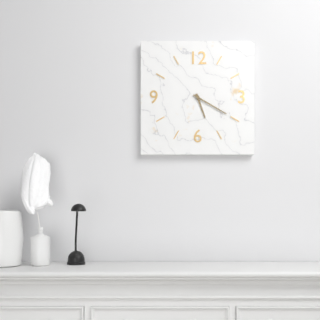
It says 5.20
